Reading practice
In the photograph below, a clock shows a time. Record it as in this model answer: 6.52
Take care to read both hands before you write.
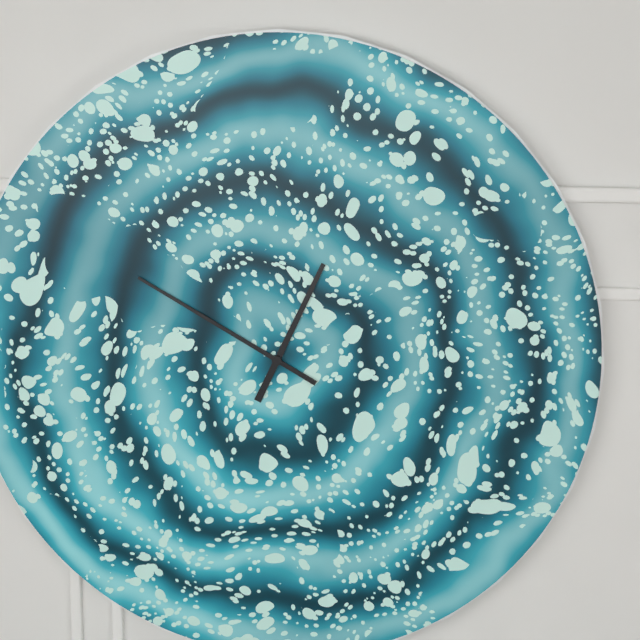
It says 12.50
